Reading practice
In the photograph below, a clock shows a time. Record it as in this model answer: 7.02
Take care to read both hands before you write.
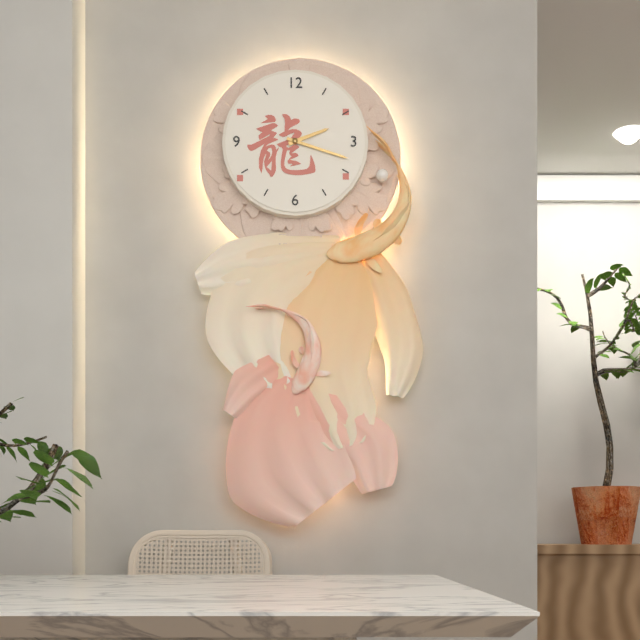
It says 2.18
